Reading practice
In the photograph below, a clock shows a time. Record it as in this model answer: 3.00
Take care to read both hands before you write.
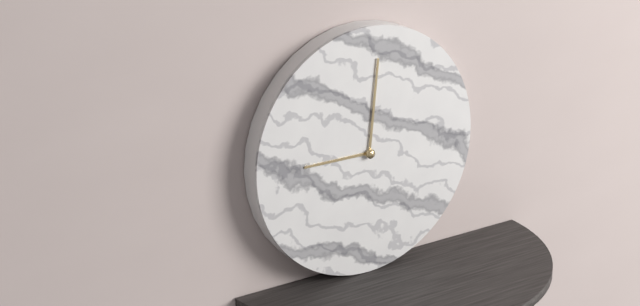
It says 9.01
